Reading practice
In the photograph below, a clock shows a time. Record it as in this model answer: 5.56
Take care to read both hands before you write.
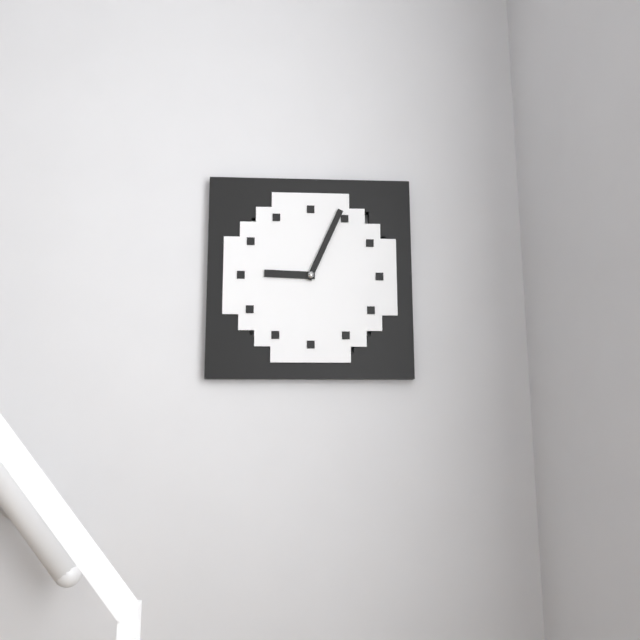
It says 9.04
